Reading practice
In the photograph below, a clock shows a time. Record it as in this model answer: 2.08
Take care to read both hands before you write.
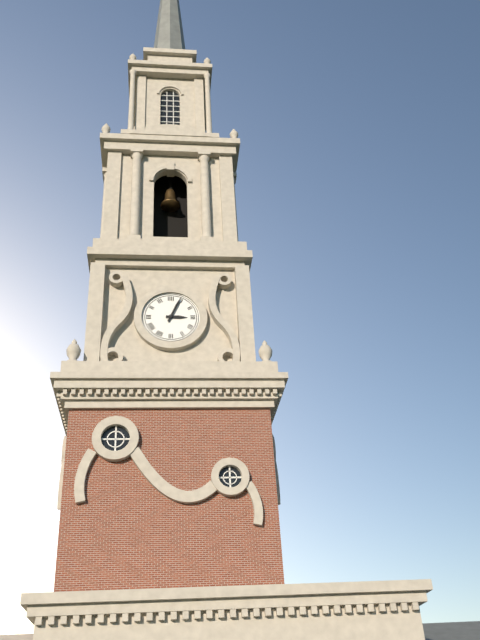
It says 3.04
